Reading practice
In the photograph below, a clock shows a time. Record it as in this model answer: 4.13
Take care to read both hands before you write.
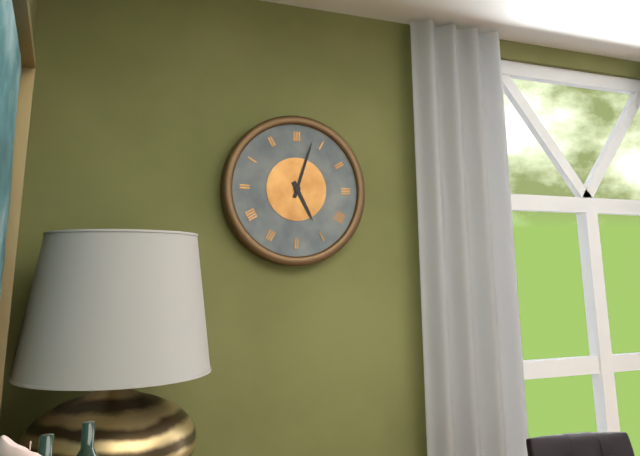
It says 5.03
